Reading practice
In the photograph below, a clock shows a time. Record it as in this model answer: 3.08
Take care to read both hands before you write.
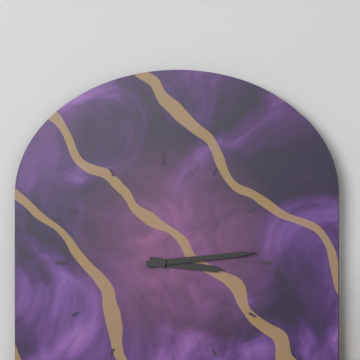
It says 3.14
